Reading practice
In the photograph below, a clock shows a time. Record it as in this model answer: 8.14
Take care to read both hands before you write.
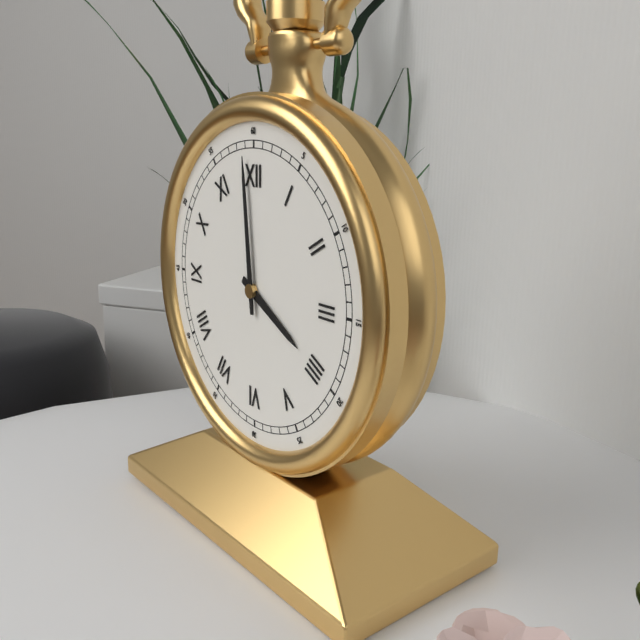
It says 3.59
